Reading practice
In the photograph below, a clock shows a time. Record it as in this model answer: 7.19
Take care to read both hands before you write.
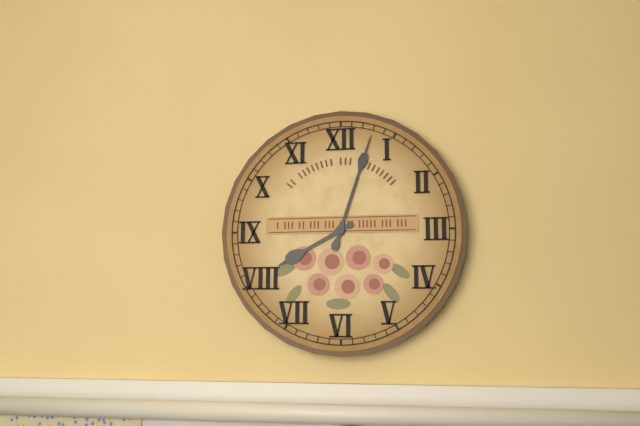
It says 8.03
